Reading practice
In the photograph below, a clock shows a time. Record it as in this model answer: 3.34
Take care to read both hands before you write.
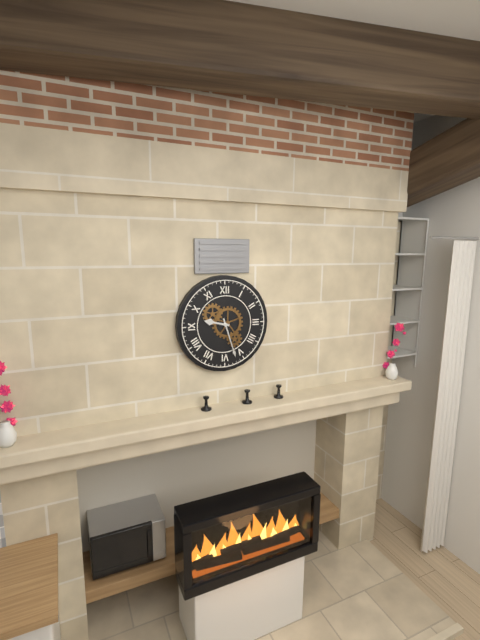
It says 9.27
